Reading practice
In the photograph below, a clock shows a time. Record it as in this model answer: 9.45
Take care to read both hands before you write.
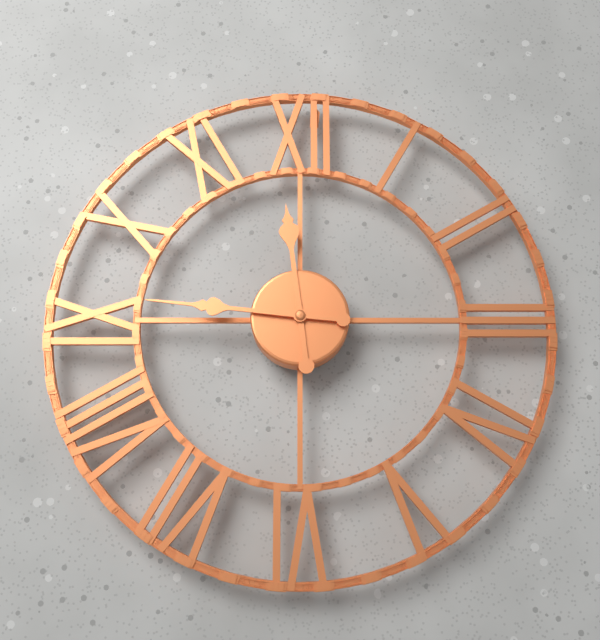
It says 11.46
